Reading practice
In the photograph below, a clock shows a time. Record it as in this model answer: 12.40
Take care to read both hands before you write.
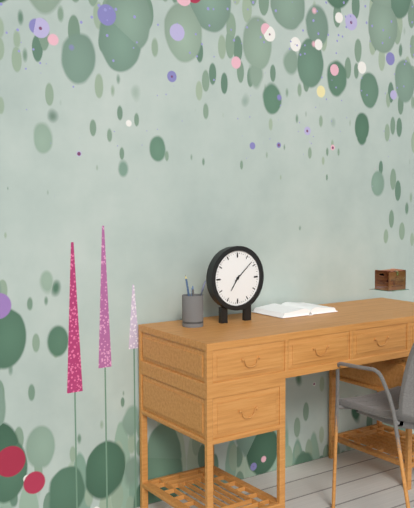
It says 7.08
